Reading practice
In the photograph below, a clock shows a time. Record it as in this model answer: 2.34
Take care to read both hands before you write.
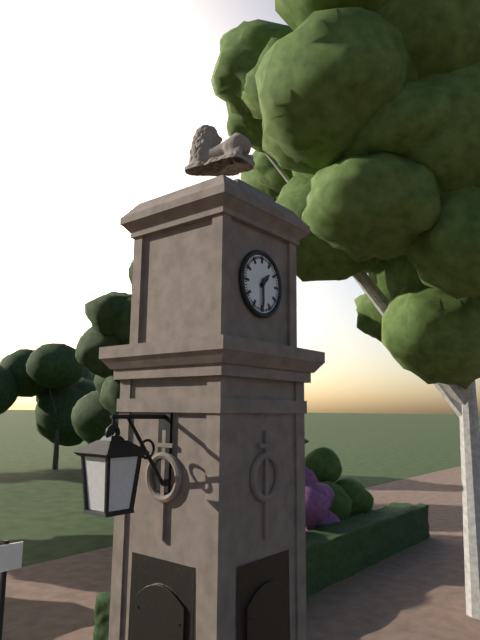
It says 1.30
